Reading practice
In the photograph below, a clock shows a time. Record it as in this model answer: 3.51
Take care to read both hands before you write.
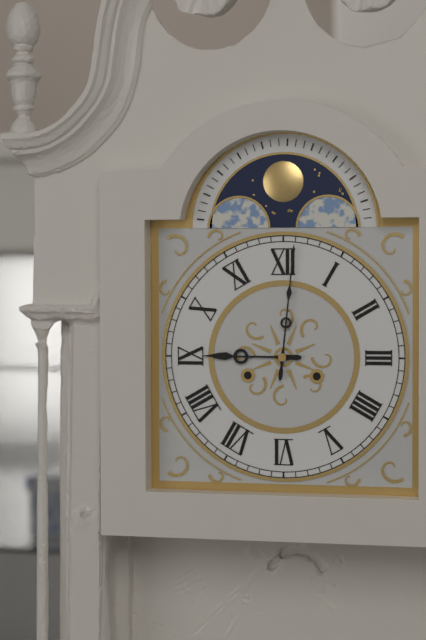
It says 9.01
